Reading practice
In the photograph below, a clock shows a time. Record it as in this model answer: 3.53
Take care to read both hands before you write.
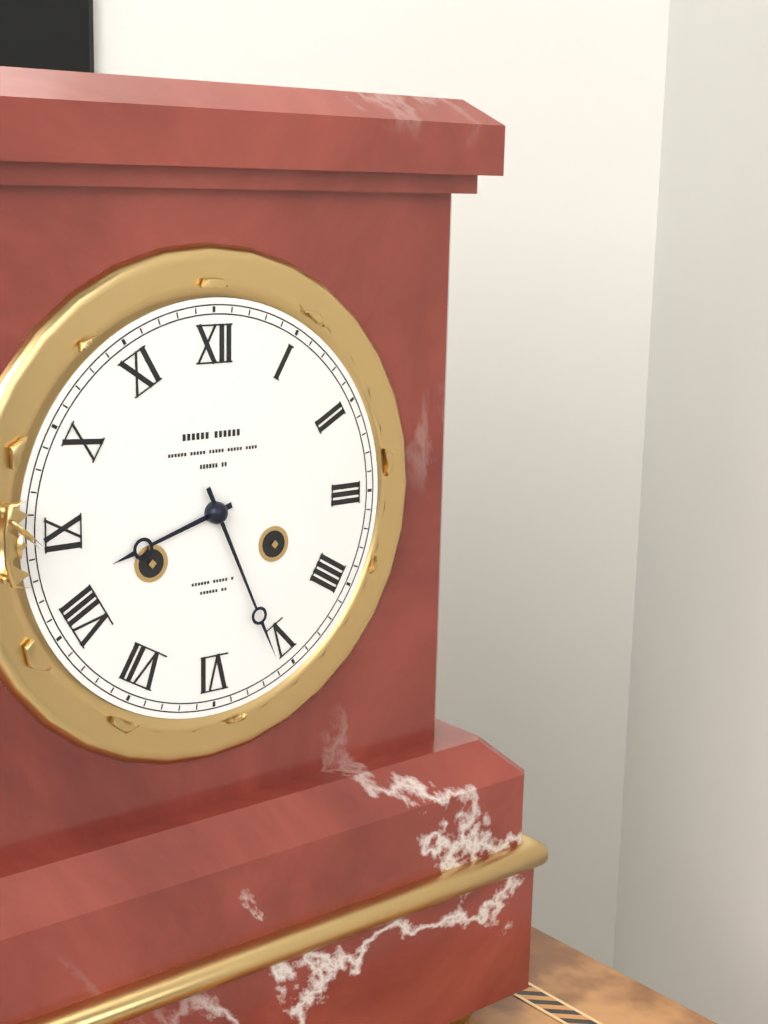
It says 8.26
